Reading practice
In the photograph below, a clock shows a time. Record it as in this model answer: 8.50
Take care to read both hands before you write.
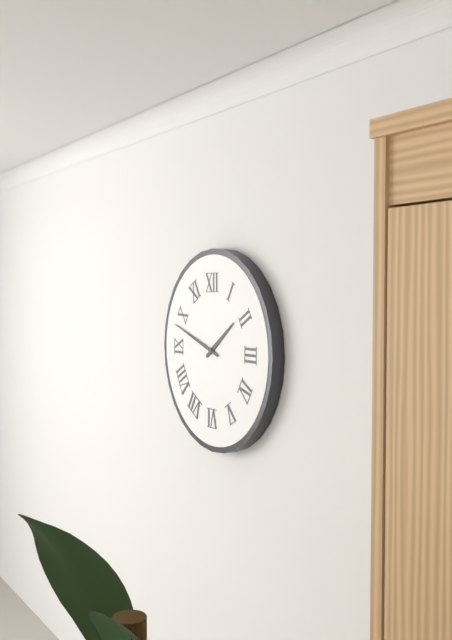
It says 1.48
